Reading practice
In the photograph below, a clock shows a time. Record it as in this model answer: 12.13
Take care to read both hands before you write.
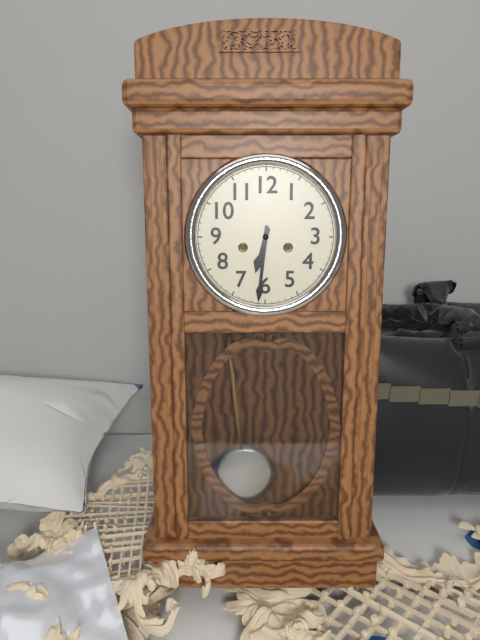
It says 6.31
